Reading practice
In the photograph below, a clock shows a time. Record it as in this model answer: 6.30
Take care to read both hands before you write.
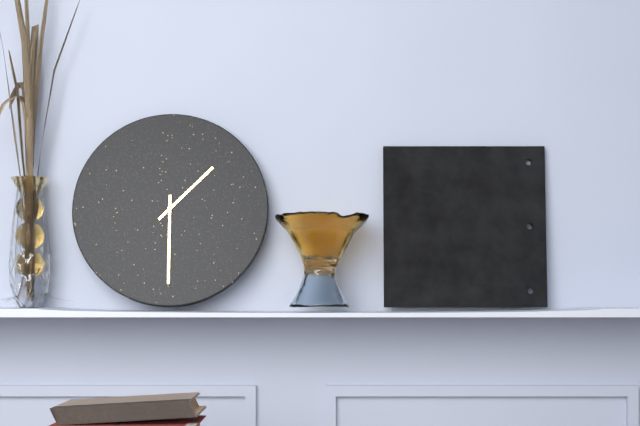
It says 1.30
